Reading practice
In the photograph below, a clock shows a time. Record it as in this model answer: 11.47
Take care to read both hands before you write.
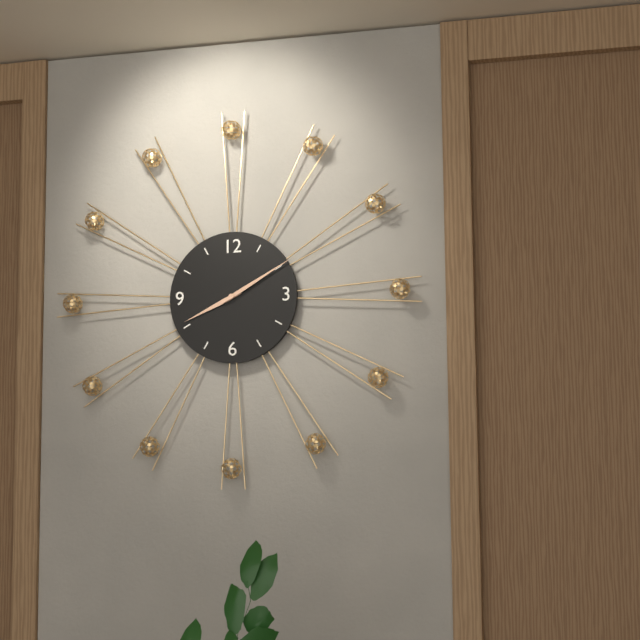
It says 8.10
